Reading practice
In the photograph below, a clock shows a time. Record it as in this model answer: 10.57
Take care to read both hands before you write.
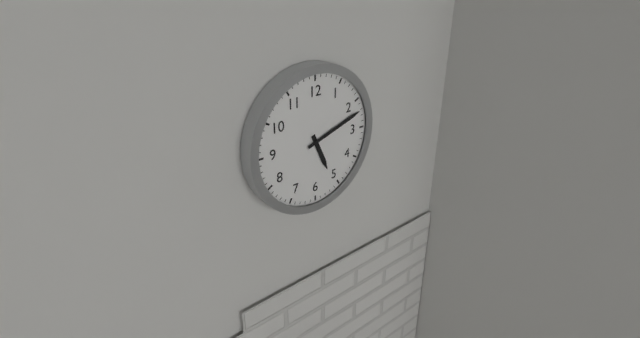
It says 5.12
